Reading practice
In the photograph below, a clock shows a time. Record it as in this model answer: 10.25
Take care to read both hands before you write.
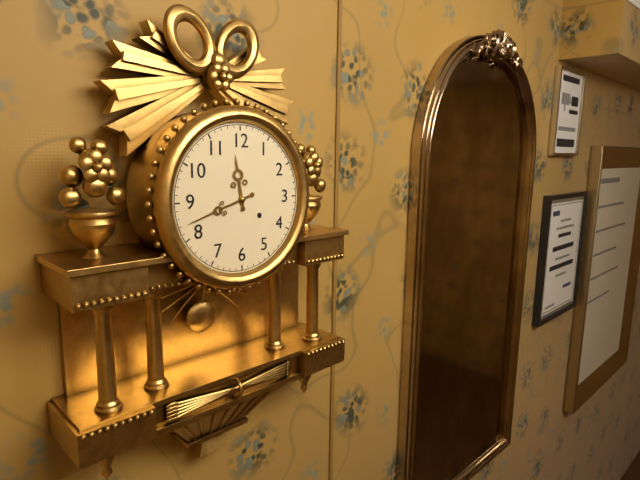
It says 11.42
